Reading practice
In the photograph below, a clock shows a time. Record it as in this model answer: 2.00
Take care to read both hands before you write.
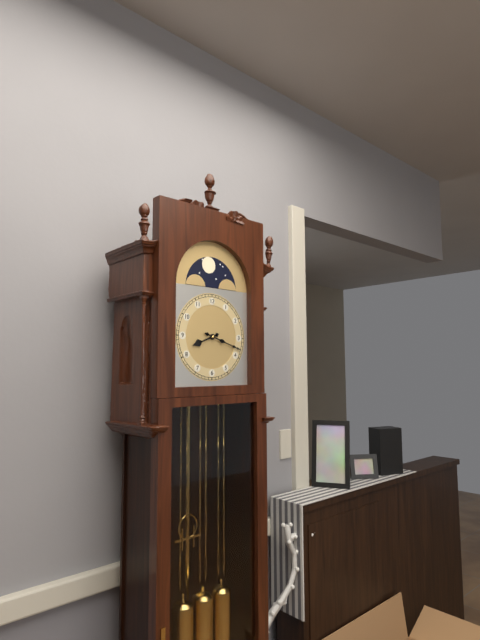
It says 8.18
